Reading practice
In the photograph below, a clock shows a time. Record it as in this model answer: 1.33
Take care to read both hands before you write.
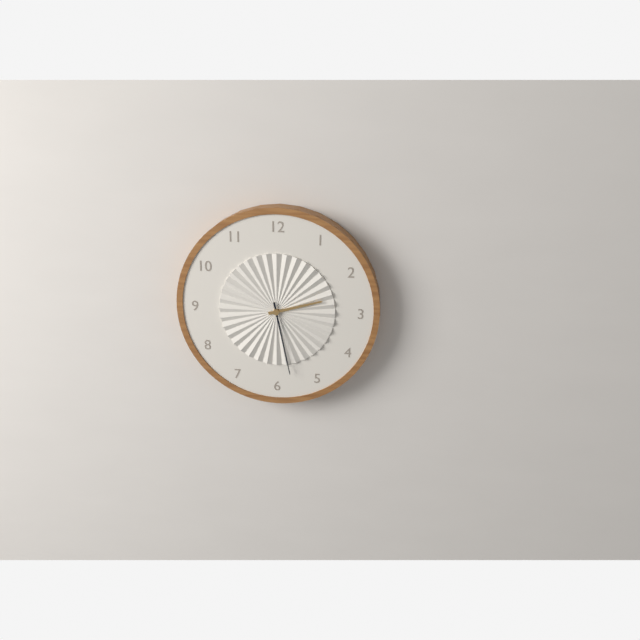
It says 2.28
